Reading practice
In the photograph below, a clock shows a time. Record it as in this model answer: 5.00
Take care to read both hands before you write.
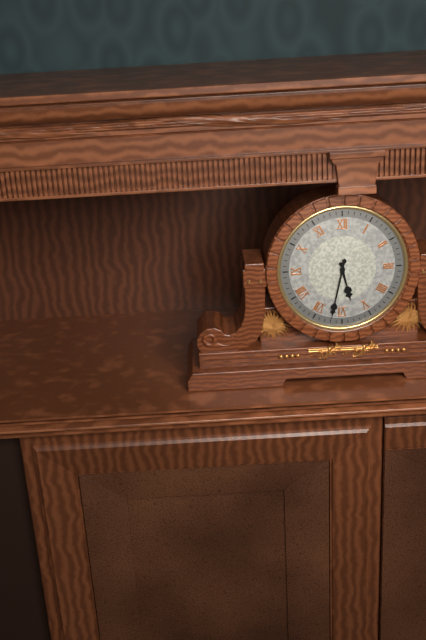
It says 5.32
